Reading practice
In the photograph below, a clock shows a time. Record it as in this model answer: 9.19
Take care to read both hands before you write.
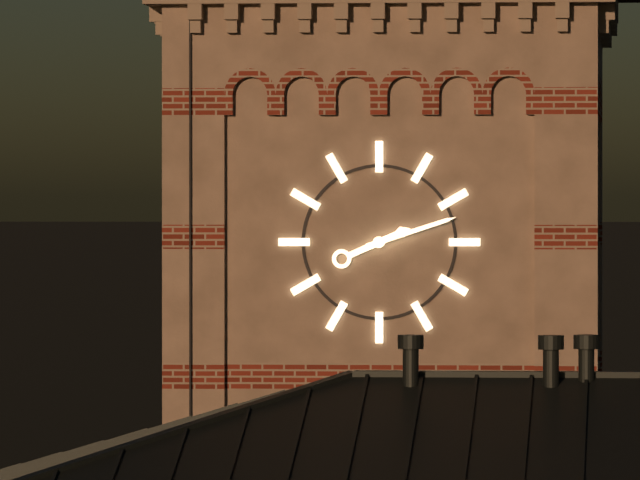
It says 2.12
